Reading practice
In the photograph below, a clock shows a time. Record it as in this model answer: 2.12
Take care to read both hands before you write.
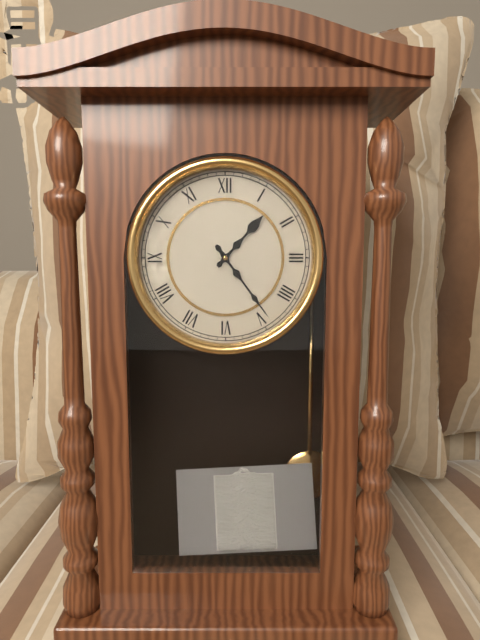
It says 1.24
